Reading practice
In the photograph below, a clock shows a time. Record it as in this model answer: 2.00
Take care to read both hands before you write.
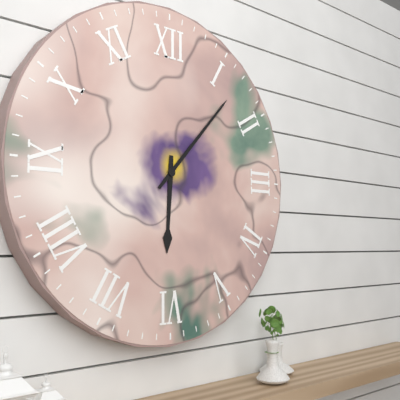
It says 6.07
